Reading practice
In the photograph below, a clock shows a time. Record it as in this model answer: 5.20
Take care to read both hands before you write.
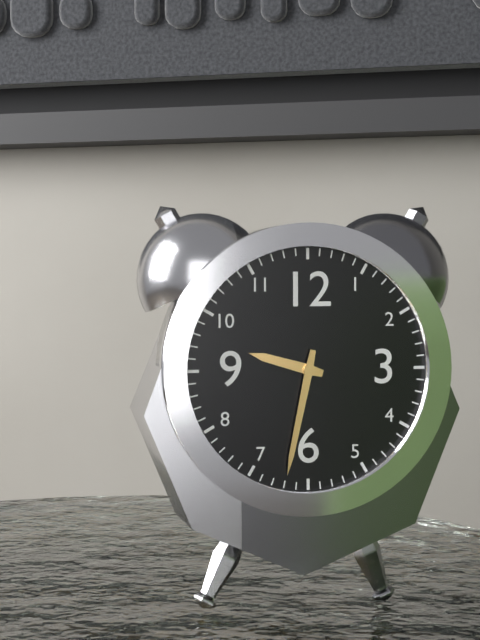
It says 9.32
